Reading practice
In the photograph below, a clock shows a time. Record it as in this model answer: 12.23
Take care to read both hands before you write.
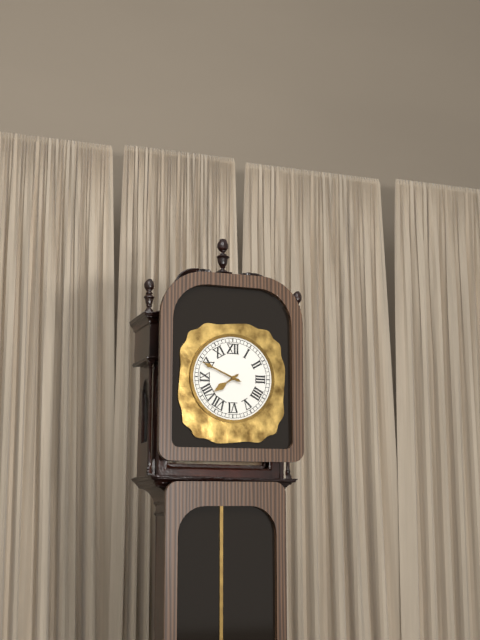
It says 7.49
